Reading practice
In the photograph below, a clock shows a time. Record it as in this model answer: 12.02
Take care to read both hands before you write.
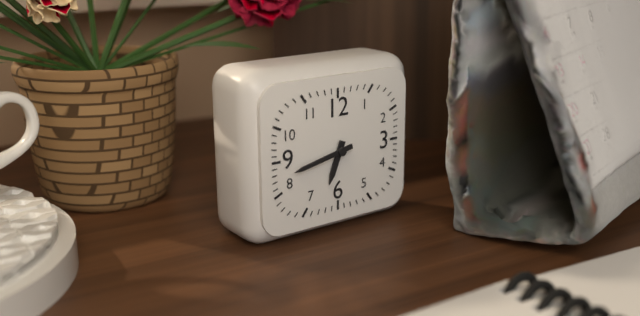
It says 6.43
